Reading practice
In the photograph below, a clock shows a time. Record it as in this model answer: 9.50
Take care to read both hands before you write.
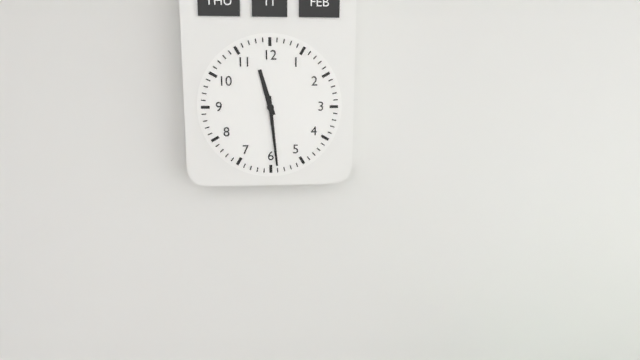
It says 11.29
